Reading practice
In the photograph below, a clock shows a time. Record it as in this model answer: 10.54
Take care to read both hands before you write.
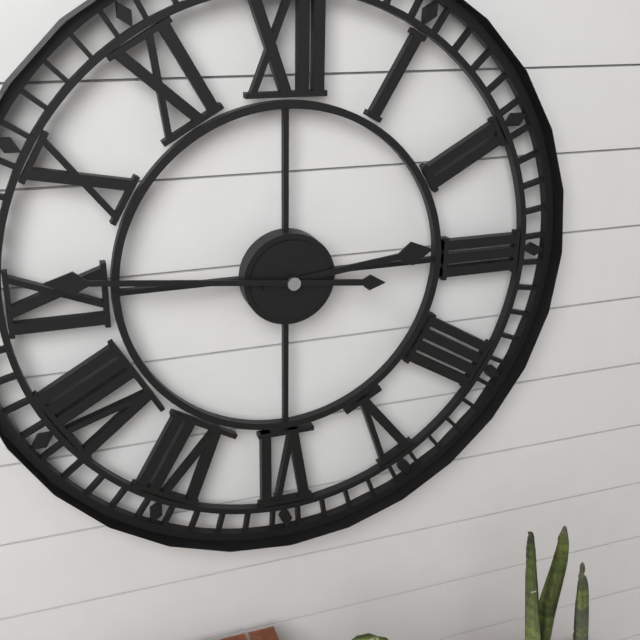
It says 2.46
